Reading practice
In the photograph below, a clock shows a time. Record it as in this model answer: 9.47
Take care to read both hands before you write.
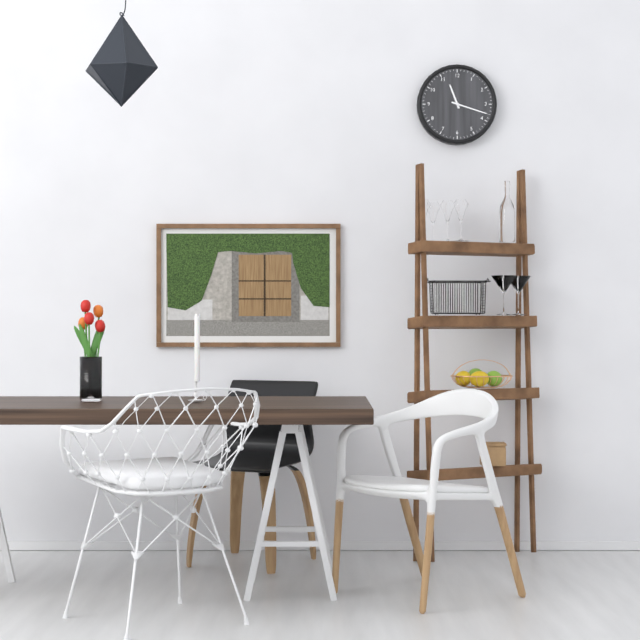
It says 11.18
